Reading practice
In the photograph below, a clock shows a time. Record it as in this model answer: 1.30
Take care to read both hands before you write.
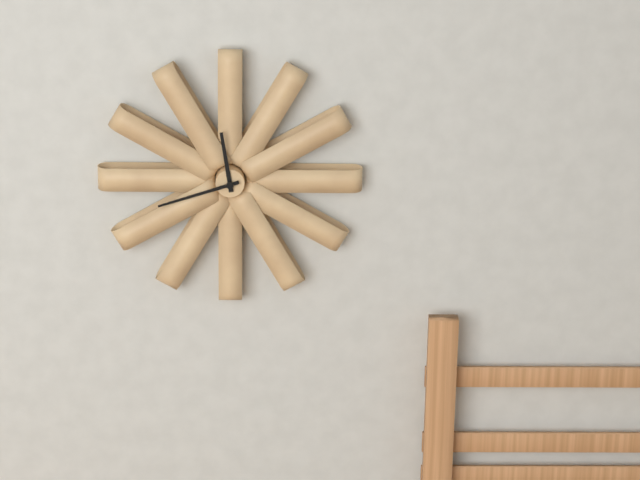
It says 11.42
